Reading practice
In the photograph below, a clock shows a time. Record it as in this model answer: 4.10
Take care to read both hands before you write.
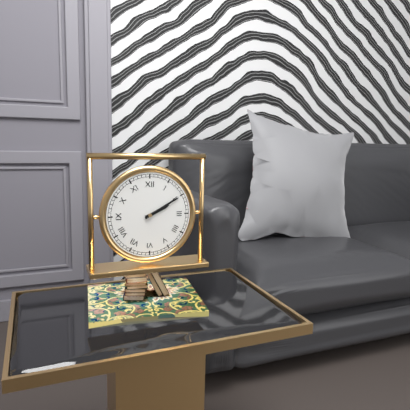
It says 2.10
